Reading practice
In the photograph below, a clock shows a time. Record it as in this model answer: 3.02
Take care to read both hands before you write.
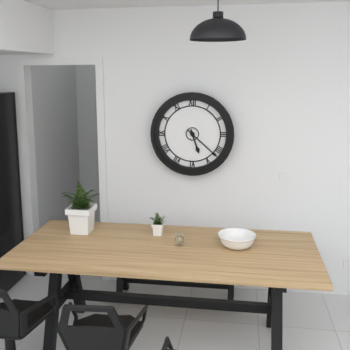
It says 5.22
